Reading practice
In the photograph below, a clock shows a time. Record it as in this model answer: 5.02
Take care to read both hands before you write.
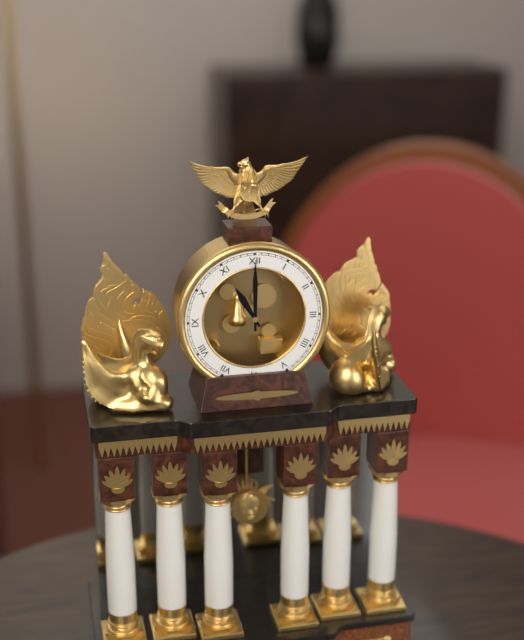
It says 11.00
